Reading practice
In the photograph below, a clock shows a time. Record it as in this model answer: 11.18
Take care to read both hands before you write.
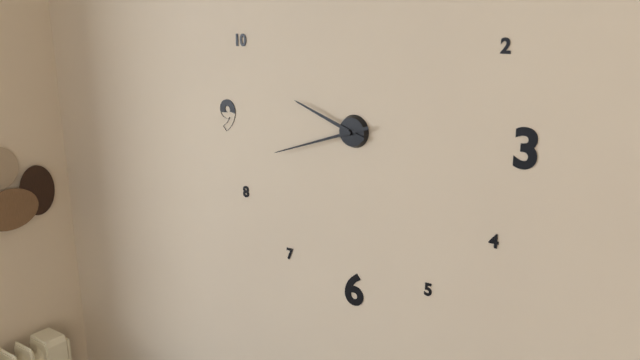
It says 9.42
